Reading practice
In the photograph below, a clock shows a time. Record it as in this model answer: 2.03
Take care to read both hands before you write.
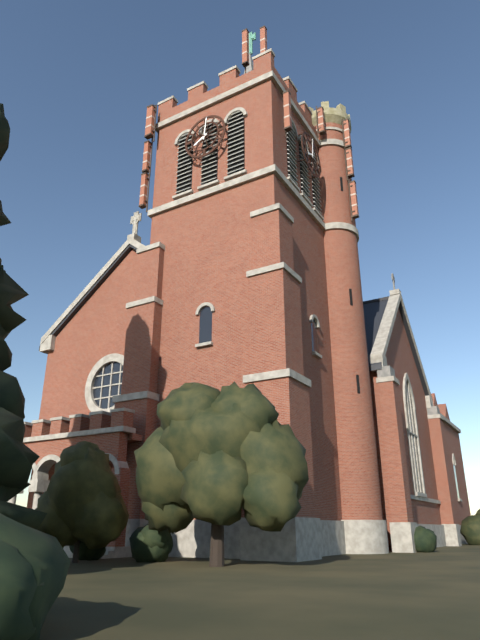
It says 8.01
